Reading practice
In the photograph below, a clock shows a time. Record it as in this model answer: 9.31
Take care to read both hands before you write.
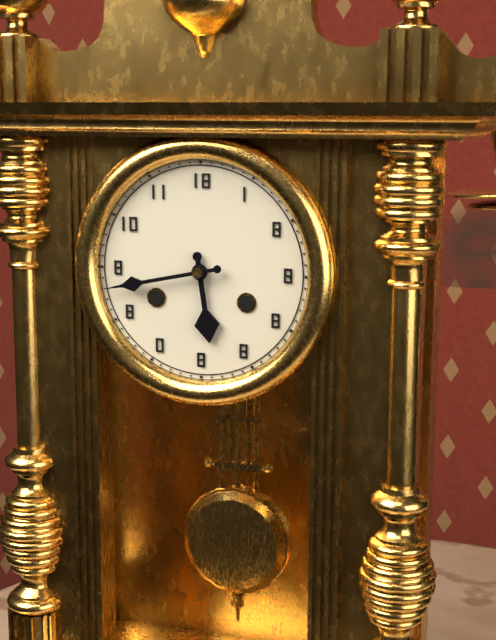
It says 5.43
